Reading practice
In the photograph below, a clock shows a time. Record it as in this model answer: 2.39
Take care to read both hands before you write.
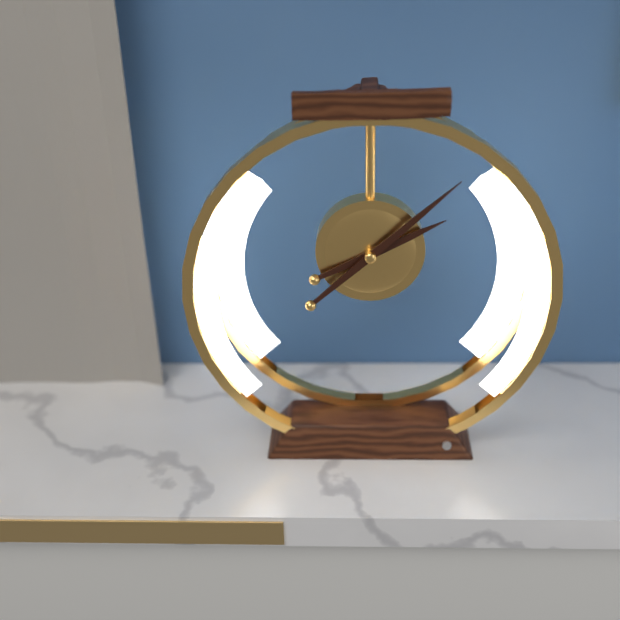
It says 2.08
